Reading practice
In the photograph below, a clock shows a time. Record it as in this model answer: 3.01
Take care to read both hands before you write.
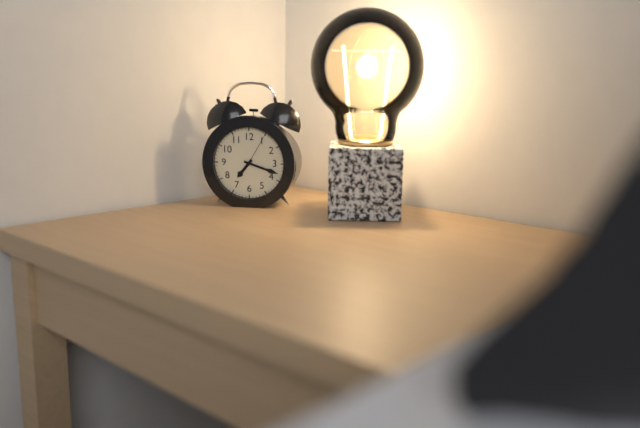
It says 7.18
